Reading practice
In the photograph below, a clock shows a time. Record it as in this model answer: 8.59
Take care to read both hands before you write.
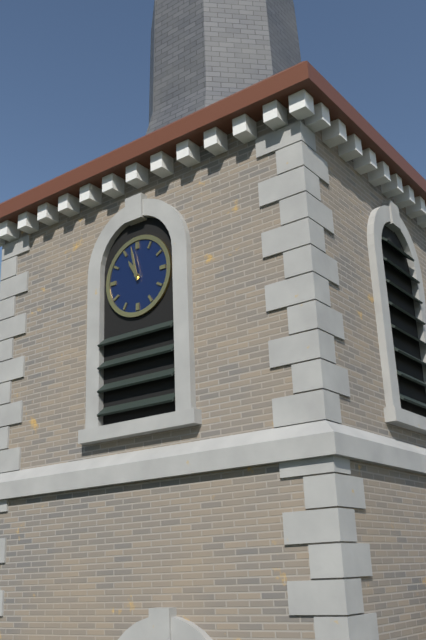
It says 10.58
